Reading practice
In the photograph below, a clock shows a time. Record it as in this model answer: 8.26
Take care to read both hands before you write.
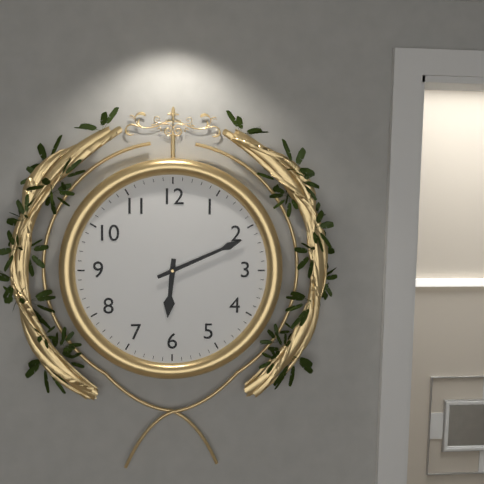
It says 6.11
